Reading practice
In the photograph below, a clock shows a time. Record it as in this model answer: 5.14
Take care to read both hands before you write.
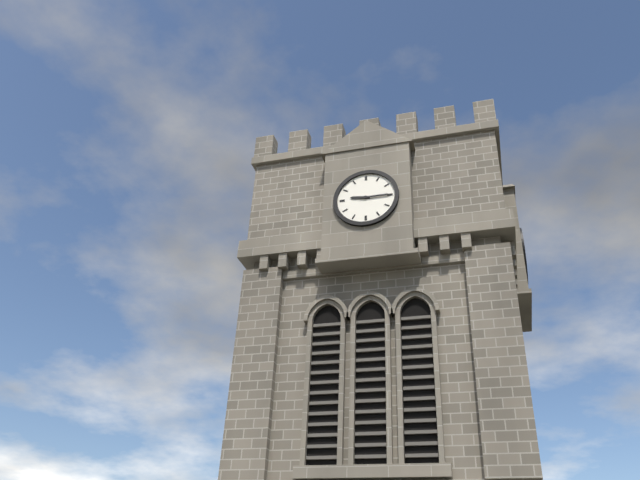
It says 9.15
